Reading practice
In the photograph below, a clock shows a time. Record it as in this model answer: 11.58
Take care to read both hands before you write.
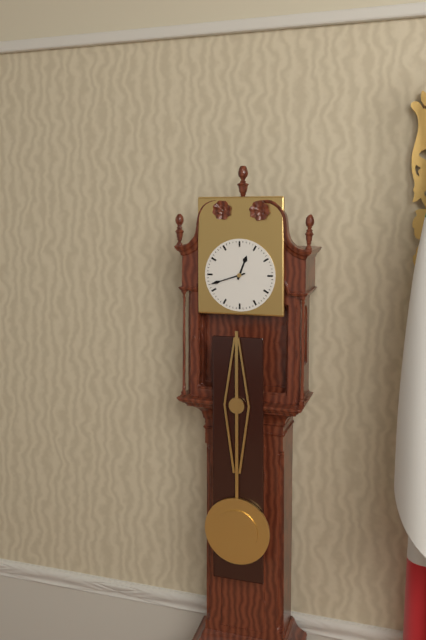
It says 12.42
